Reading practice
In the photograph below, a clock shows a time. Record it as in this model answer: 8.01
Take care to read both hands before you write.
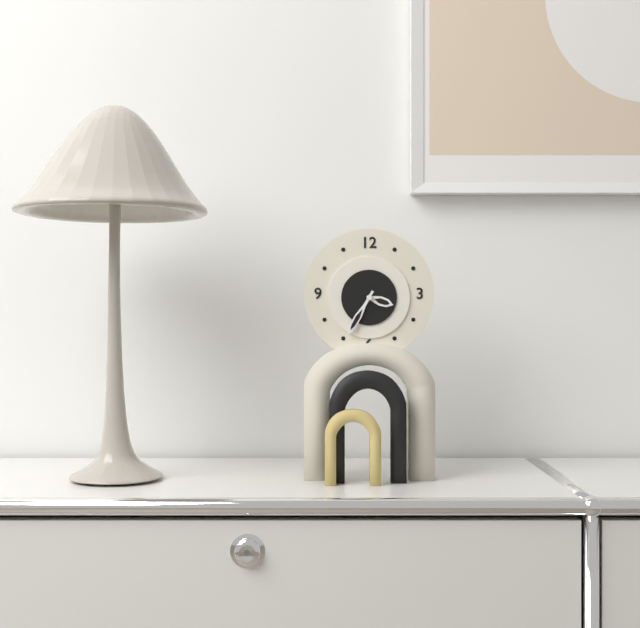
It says 3.35
